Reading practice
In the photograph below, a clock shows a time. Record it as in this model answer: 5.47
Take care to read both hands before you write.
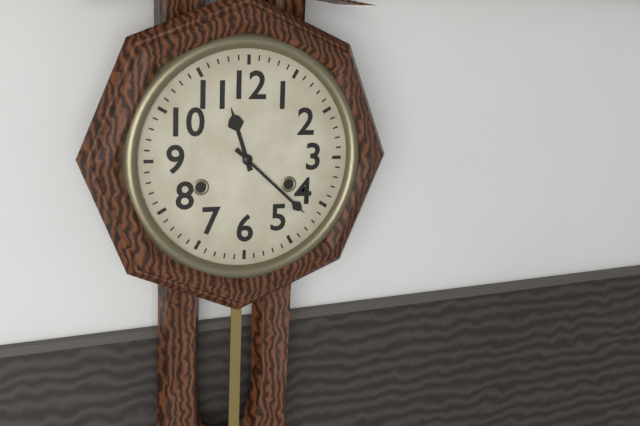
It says 11.22
